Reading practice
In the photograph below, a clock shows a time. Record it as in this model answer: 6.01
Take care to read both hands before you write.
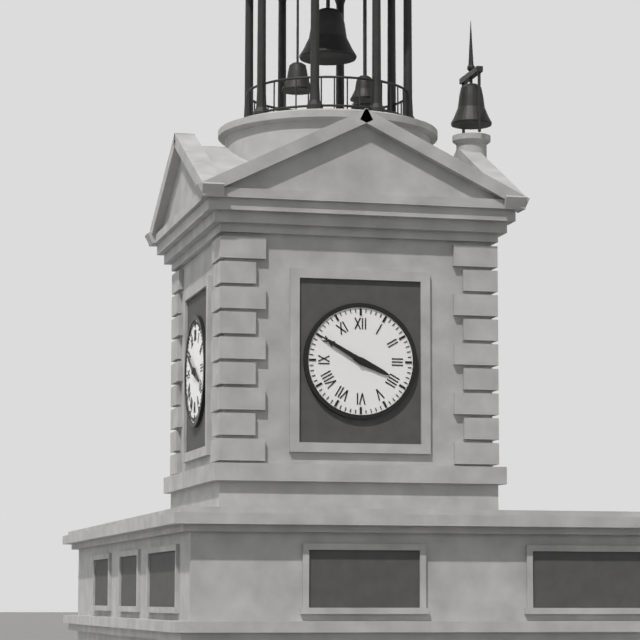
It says 3.50
